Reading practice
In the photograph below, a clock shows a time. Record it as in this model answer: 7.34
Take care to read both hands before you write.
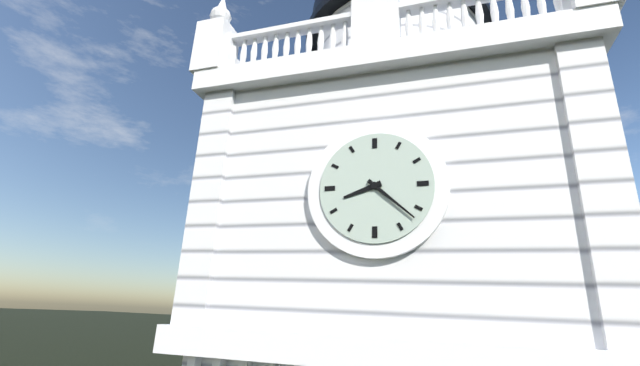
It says 8.22
